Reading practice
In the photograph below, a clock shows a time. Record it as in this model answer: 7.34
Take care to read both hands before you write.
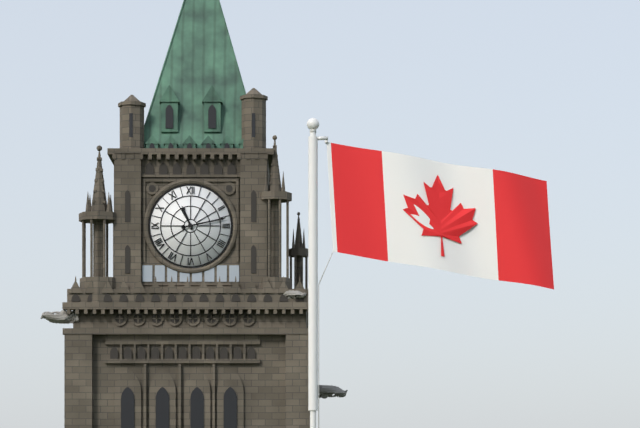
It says 11.13
